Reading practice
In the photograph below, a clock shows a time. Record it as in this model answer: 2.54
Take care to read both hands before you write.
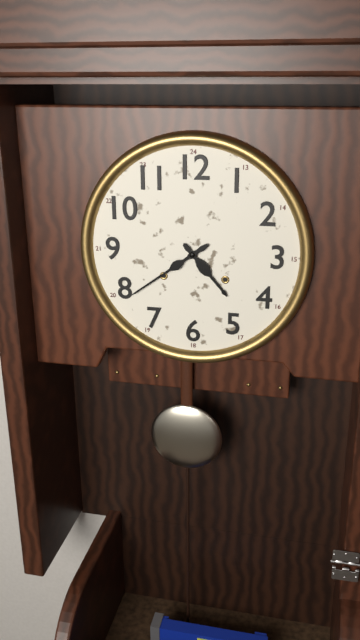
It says 4.39
